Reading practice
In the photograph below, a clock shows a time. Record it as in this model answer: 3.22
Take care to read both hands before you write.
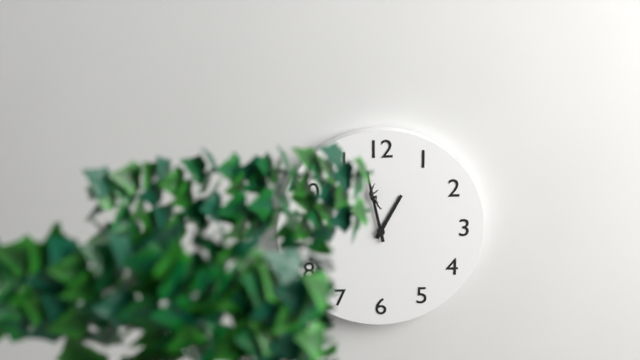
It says 12.58
